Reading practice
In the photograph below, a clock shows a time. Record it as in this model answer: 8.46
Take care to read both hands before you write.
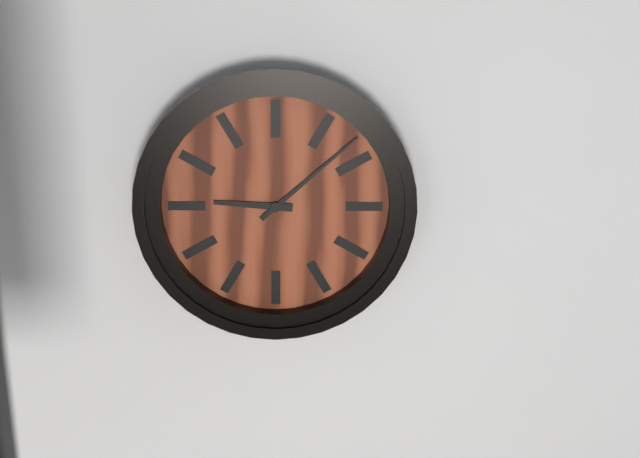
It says 9.08
